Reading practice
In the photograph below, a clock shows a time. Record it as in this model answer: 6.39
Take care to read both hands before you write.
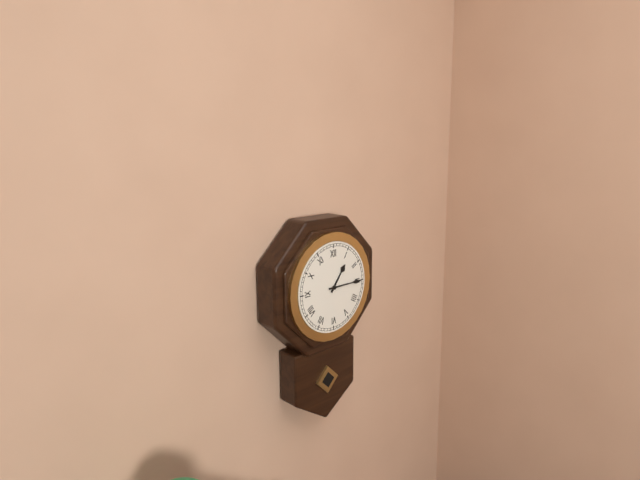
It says 1.15
